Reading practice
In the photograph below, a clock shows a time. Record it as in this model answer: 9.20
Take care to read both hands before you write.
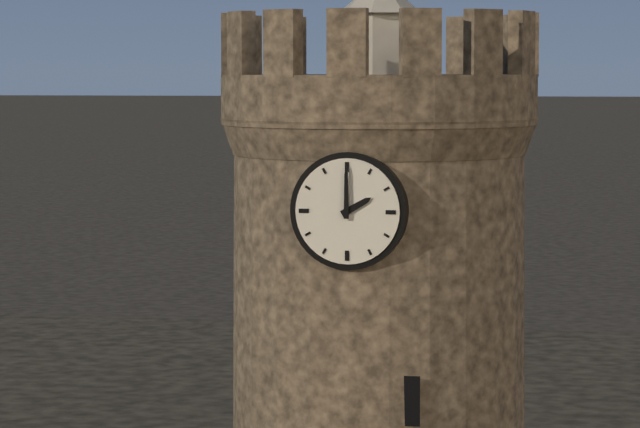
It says 2.00
